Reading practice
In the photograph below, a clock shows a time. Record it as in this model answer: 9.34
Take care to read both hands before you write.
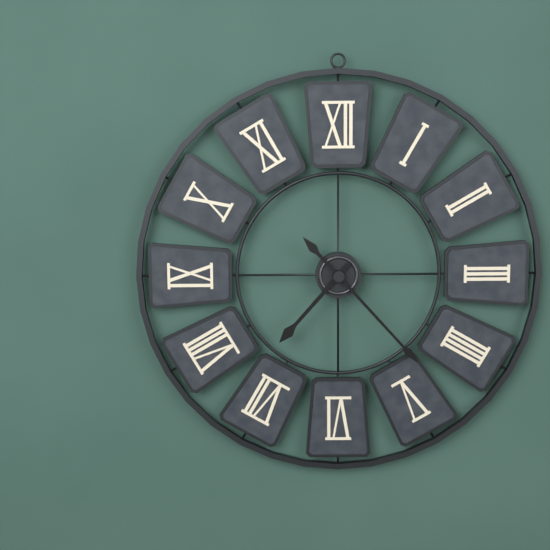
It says 7.23
